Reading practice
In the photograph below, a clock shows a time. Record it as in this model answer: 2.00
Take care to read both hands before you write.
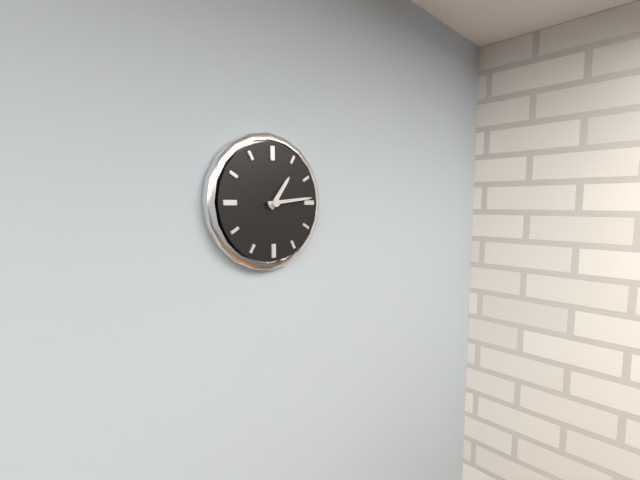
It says 1.14
